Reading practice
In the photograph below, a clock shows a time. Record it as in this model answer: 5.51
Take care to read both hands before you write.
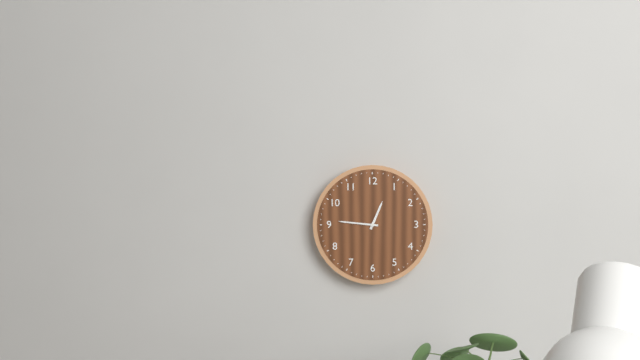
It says 12.46
